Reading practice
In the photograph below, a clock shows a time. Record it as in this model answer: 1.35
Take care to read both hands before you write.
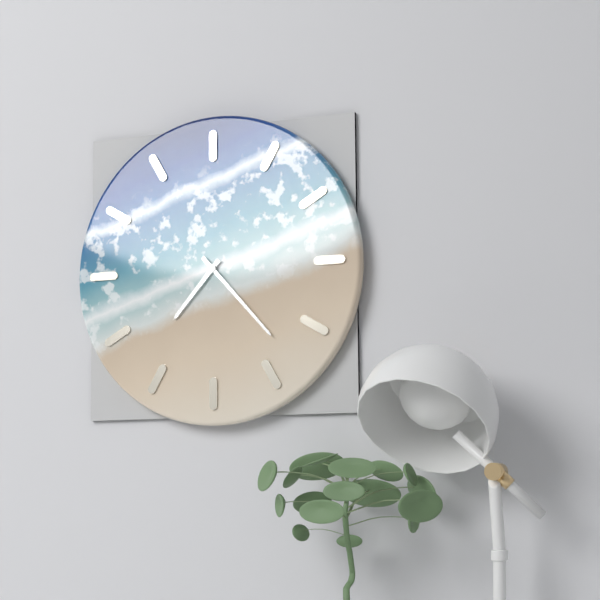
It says 7.23
